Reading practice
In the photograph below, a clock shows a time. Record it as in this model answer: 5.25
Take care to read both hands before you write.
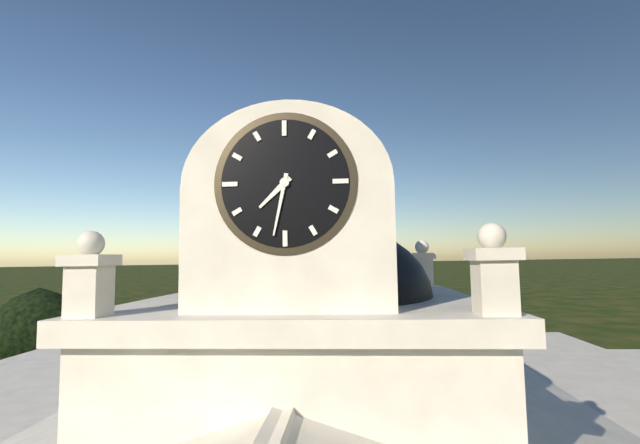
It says 7.32
